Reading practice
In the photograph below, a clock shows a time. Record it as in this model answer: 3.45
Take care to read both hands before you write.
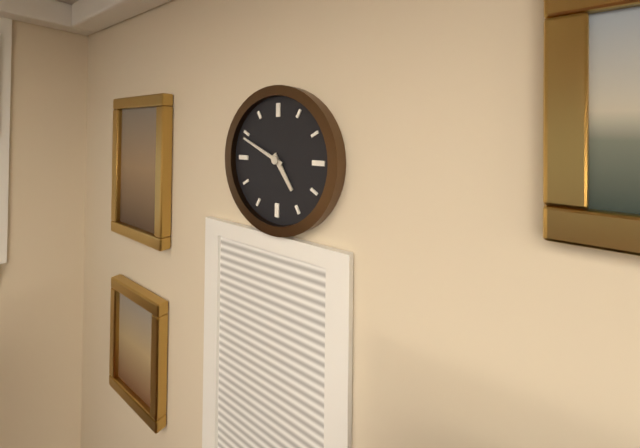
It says 4.49
